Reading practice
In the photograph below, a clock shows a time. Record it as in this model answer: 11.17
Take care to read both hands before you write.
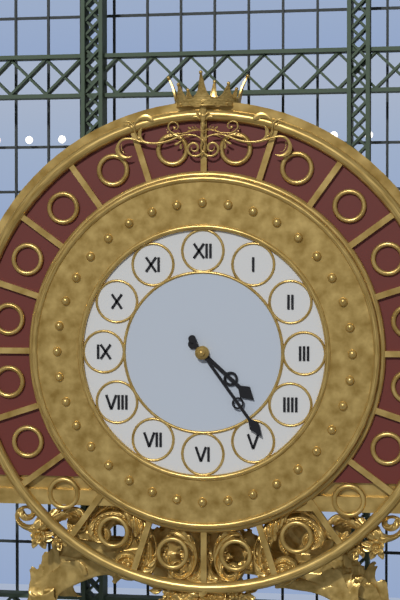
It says 4.24
